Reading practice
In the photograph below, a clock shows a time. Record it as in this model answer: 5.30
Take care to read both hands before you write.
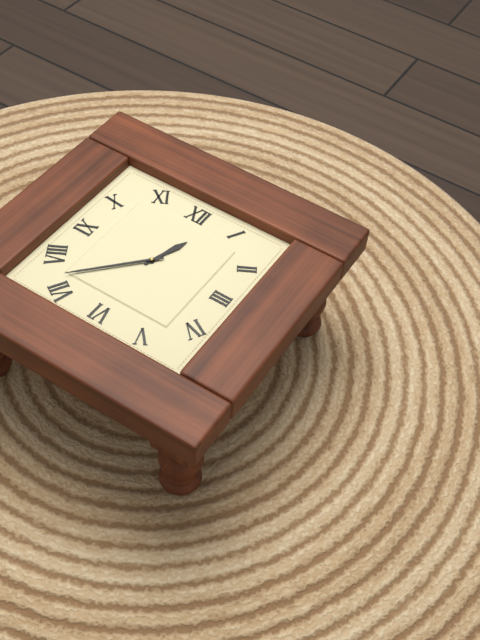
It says 12.37
